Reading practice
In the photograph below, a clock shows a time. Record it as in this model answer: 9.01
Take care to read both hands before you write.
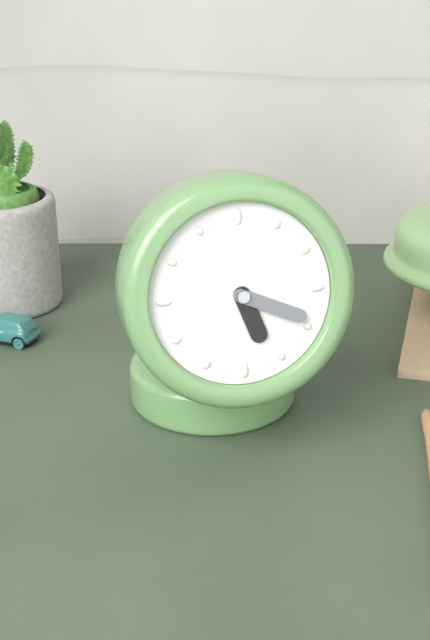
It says 5.19
